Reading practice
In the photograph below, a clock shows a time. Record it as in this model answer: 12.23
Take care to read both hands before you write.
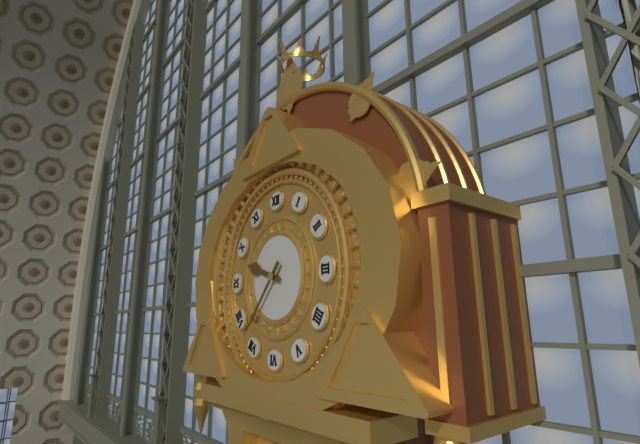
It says 9.37
